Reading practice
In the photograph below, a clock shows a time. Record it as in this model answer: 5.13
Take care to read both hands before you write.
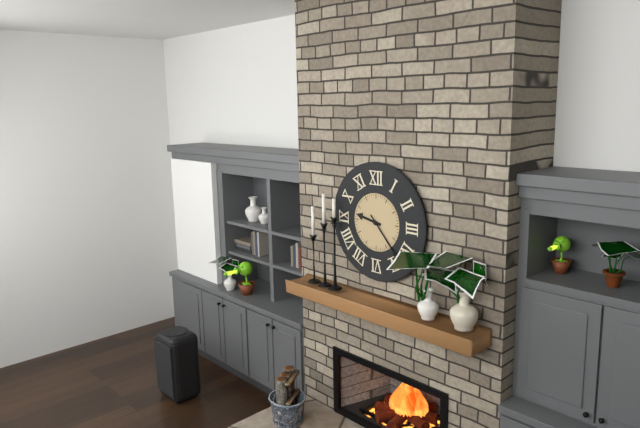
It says 9.23
